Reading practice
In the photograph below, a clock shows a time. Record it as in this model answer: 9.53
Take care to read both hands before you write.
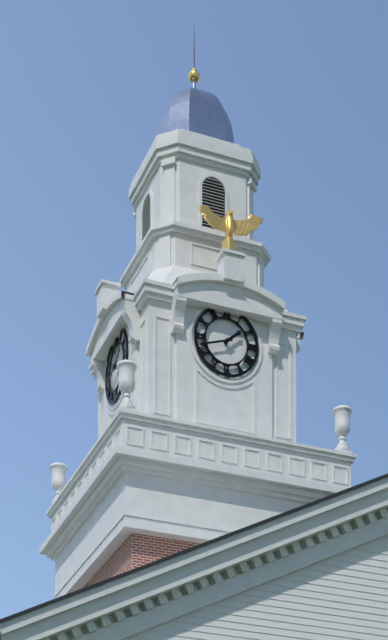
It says 1.42
